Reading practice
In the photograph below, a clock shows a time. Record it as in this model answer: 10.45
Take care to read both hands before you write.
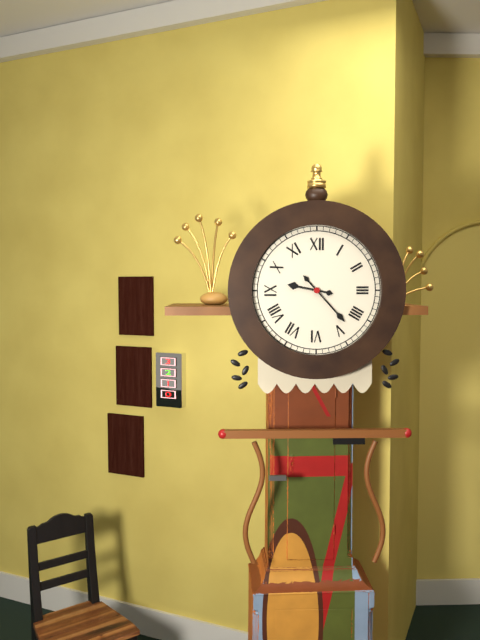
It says 9.23
